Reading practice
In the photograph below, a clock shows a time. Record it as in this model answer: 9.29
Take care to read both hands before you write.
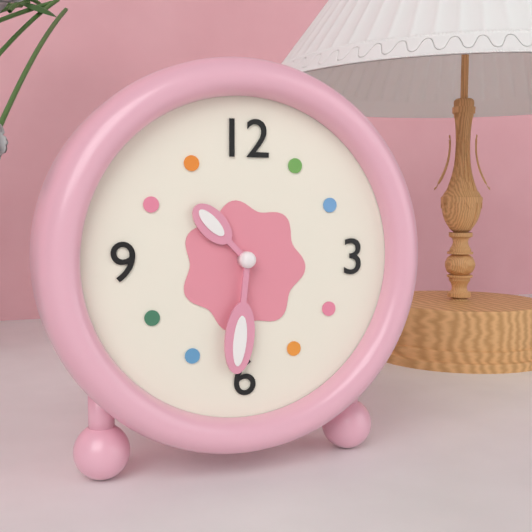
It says 10.31
